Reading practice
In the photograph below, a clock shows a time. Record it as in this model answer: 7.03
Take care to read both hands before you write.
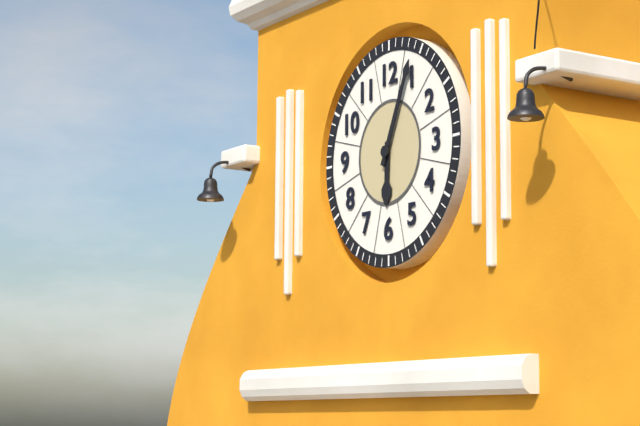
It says 6.04
